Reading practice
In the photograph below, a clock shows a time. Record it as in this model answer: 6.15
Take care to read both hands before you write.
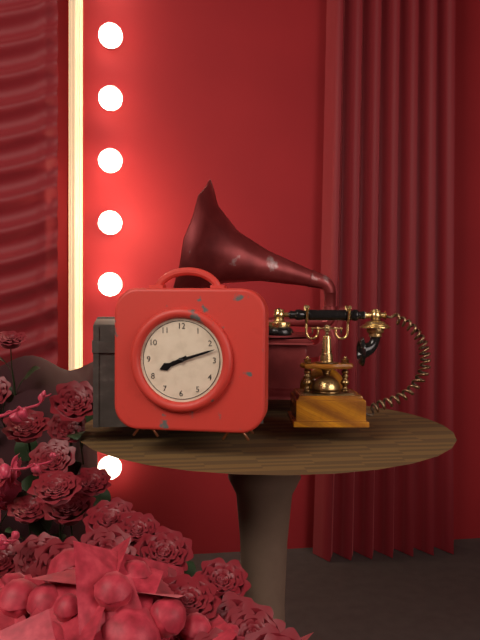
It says 8.12
